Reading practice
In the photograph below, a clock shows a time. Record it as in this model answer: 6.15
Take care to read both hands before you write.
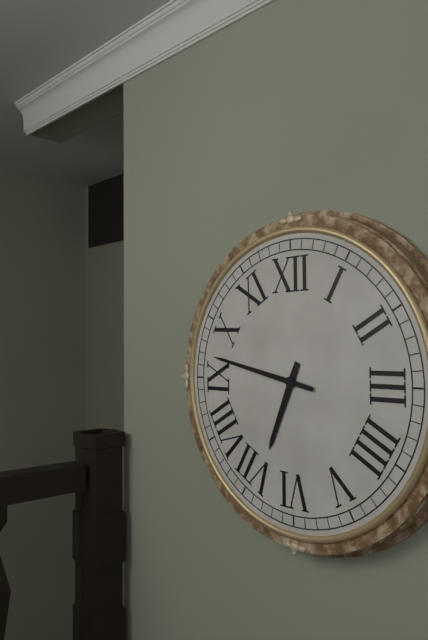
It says 6.47
